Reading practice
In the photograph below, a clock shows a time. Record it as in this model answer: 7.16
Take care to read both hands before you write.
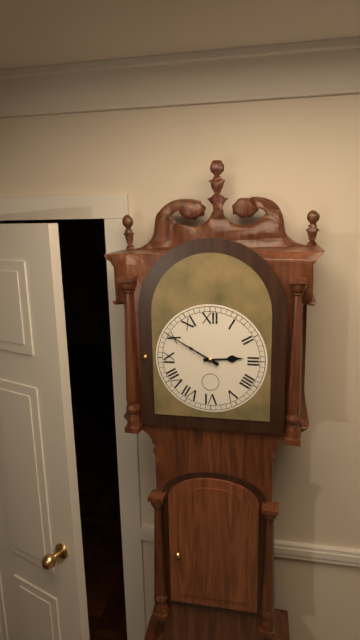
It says 2.50
